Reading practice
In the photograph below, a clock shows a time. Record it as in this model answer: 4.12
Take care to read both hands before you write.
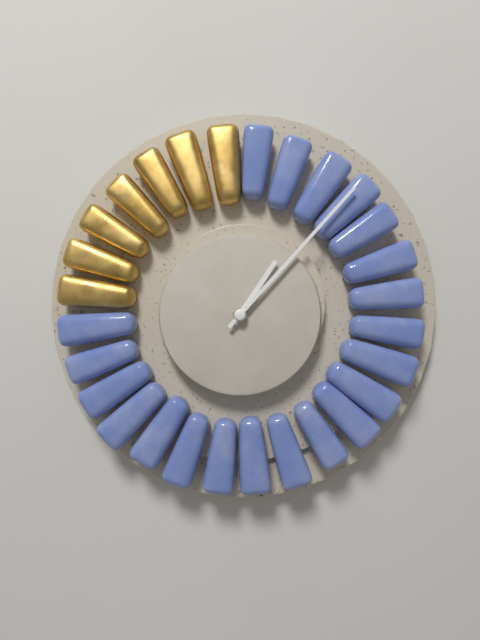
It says 1.07
